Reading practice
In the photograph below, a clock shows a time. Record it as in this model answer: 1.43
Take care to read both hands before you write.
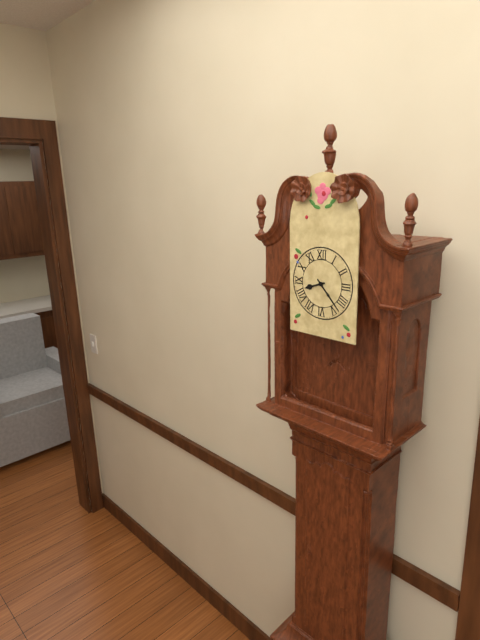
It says 8.23
